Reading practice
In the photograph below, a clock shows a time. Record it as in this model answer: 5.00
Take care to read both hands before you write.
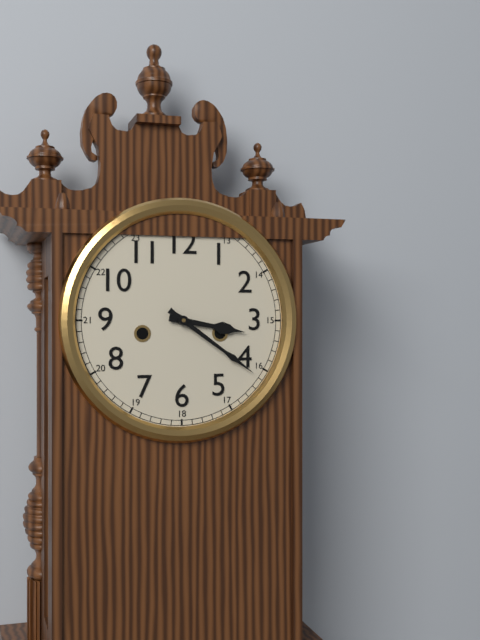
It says 3.21
